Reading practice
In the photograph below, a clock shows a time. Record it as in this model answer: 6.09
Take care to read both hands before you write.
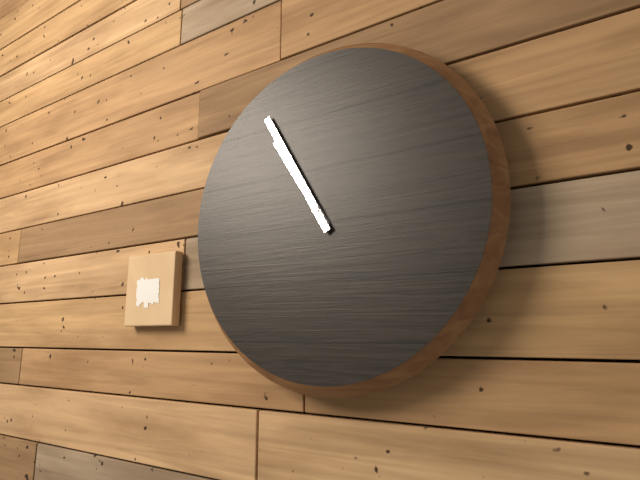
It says 10.55
